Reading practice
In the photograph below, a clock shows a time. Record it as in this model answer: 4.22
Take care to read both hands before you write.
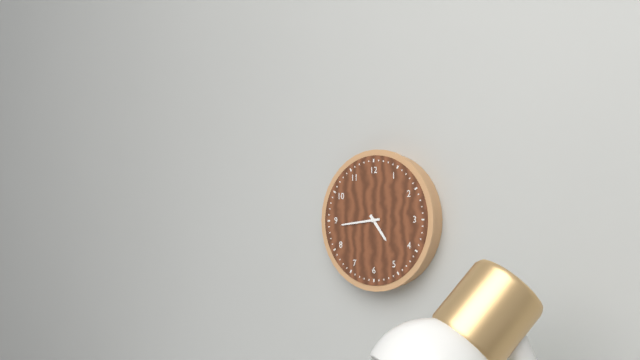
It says 4.44
